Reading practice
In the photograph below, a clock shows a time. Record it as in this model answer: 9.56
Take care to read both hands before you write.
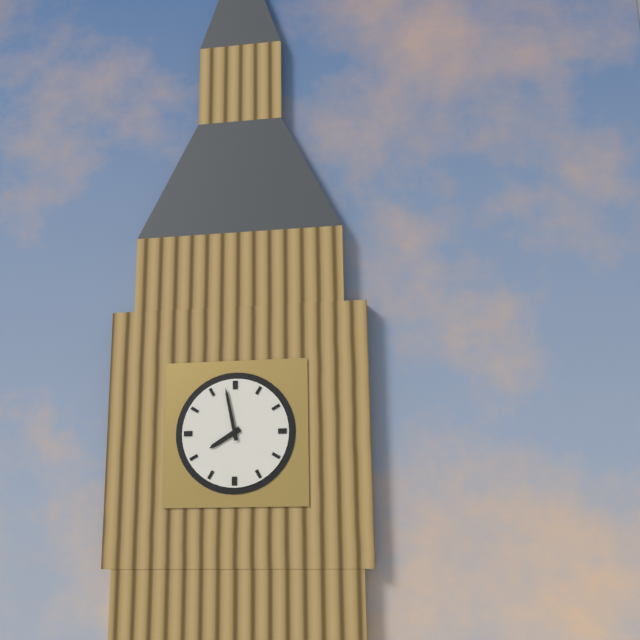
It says 7.58
